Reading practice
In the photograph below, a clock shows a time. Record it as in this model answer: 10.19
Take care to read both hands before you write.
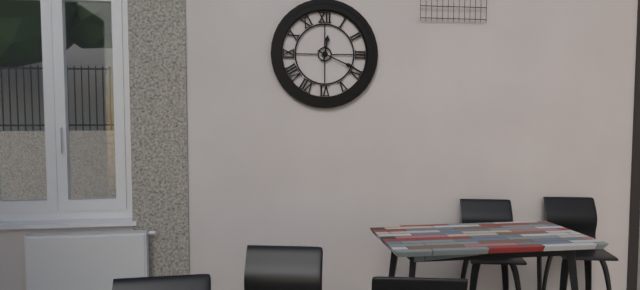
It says 12.19
